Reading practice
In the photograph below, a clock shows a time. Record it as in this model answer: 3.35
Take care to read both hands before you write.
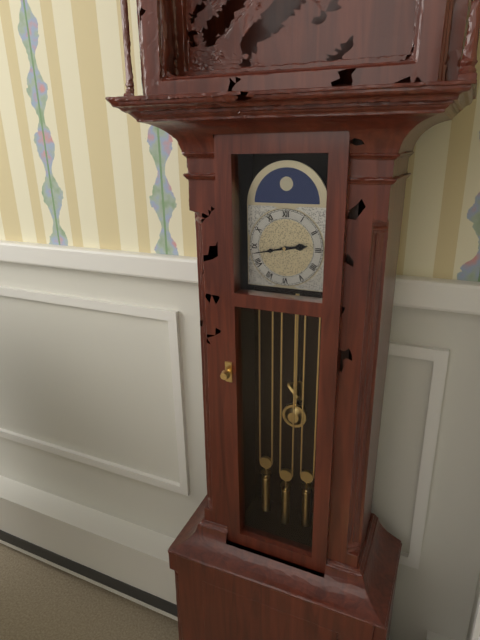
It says 2.43
